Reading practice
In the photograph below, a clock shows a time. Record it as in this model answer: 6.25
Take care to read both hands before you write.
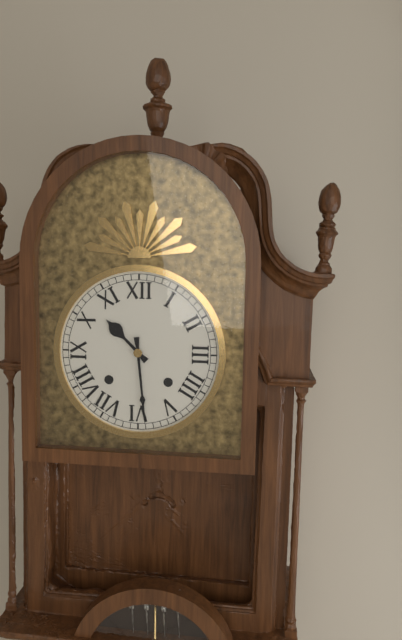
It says 10.29
